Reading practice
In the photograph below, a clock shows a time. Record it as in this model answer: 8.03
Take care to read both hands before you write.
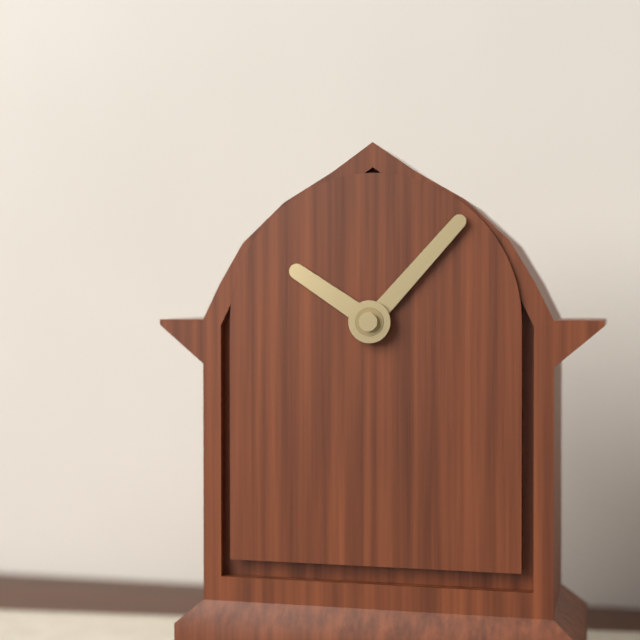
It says 10.07
